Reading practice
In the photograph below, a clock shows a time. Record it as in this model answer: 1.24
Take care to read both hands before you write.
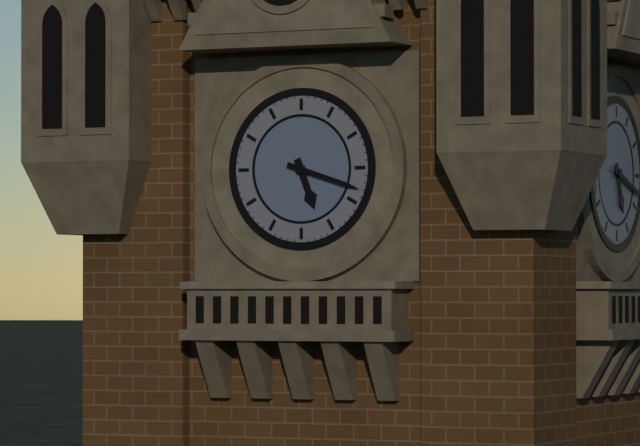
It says 5.18
